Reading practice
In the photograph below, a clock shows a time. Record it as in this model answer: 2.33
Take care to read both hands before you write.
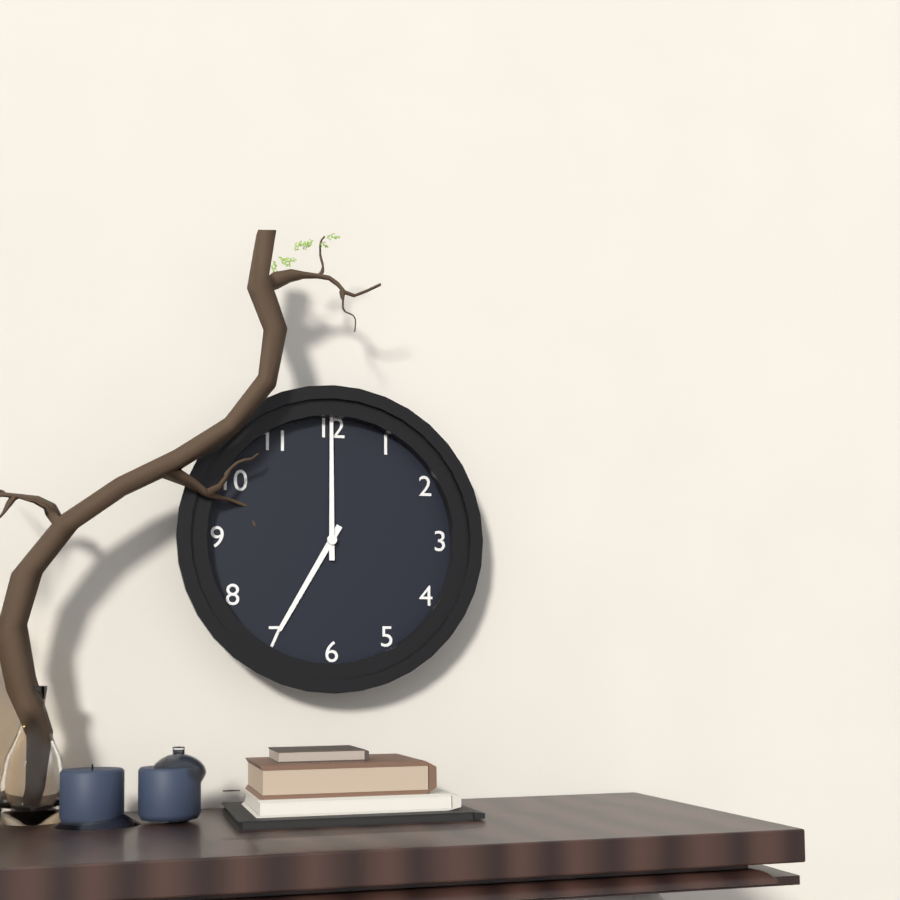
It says 7.00
